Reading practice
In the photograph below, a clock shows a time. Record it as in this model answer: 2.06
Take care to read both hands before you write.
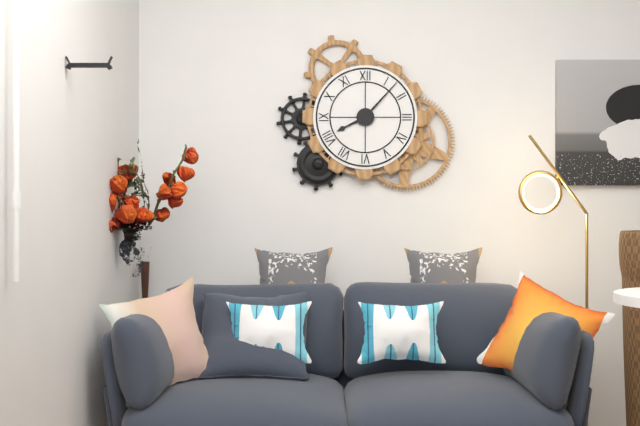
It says 8.07
